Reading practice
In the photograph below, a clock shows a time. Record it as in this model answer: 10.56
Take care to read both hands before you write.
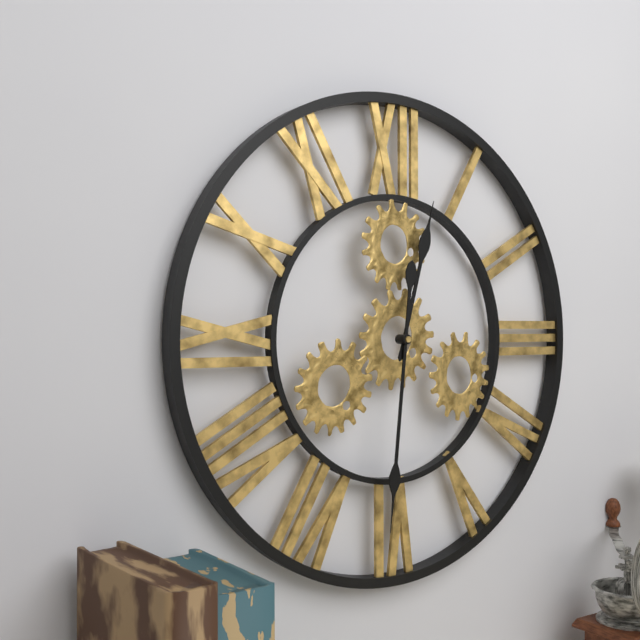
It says 12.31
